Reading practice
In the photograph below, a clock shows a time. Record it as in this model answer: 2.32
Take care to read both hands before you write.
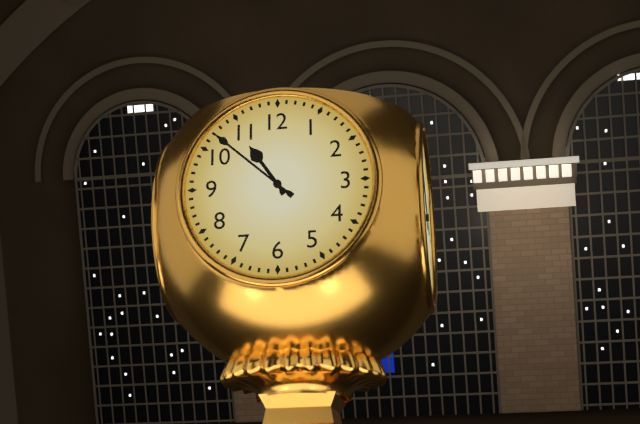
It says 10.52
